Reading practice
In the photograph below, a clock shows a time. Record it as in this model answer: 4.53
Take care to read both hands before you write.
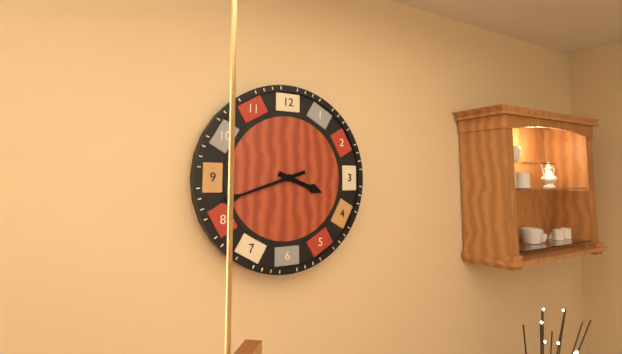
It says 3.42
